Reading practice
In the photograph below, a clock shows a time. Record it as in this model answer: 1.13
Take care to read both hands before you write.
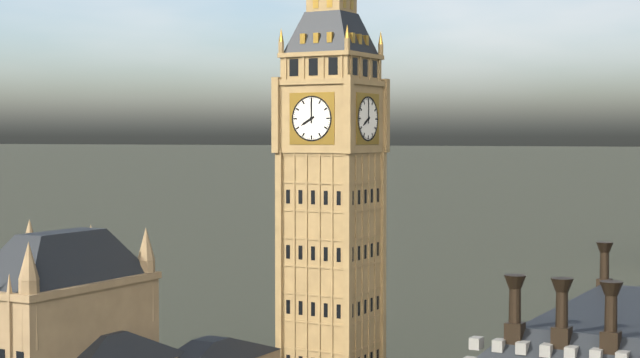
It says 8.00
